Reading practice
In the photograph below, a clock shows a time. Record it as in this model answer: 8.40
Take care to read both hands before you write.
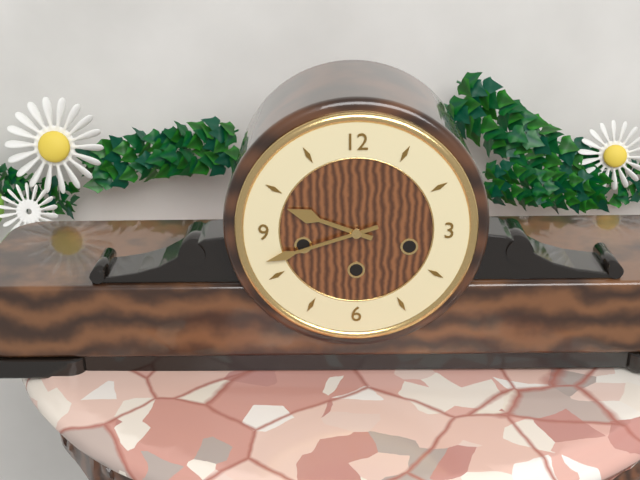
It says 9.42
